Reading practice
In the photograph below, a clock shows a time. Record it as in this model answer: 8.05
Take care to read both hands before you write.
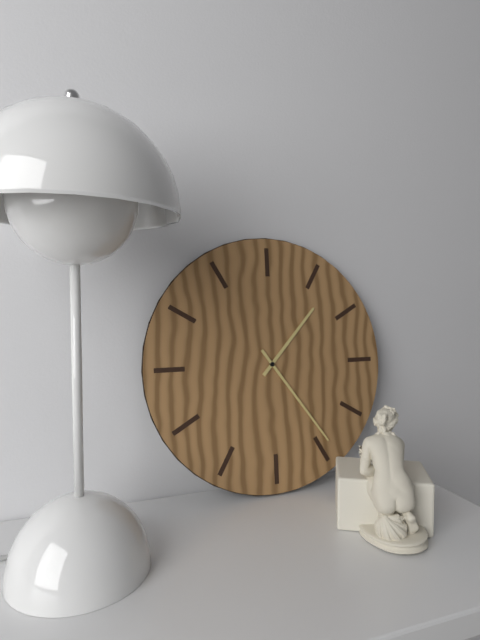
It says 1.24
